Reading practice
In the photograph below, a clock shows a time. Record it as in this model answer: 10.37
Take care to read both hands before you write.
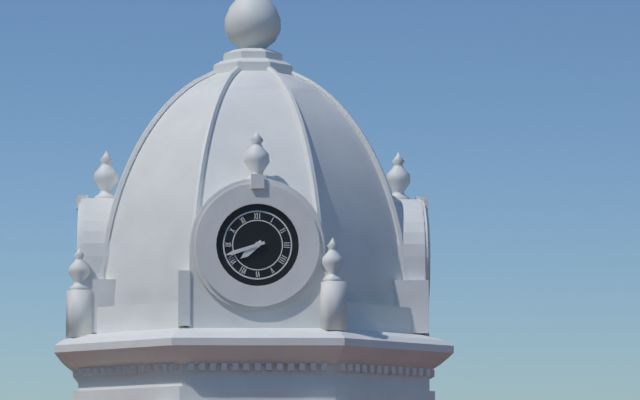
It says 7.42
